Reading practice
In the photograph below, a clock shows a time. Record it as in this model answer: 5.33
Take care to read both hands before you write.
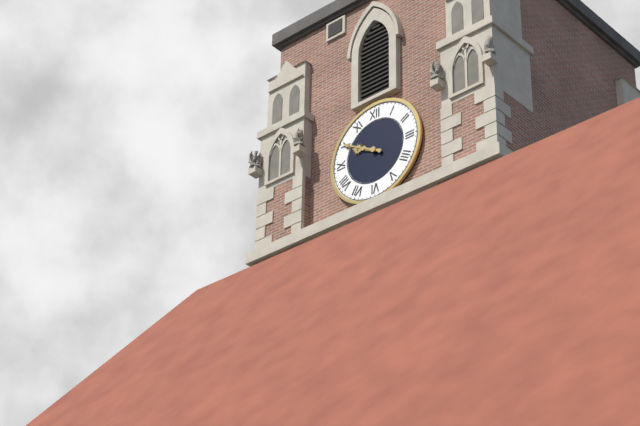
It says 9.50
